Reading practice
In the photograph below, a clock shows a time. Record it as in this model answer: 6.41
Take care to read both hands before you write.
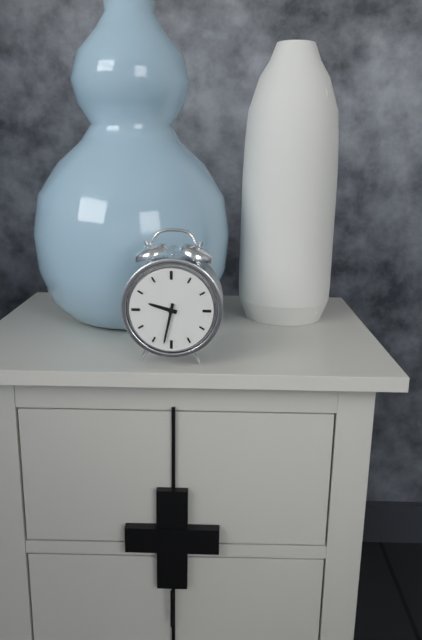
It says 9.32
